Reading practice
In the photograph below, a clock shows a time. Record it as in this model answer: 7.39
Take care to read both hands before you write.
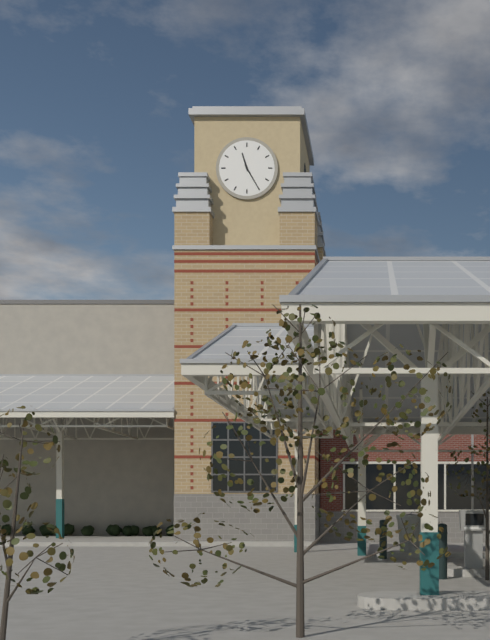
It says 11.25
